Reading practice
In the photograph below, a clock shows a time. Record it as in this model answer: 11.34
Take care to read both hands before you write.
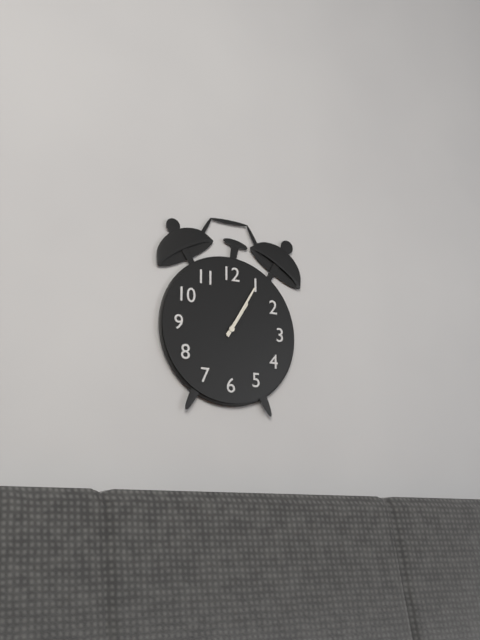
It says 1.05
